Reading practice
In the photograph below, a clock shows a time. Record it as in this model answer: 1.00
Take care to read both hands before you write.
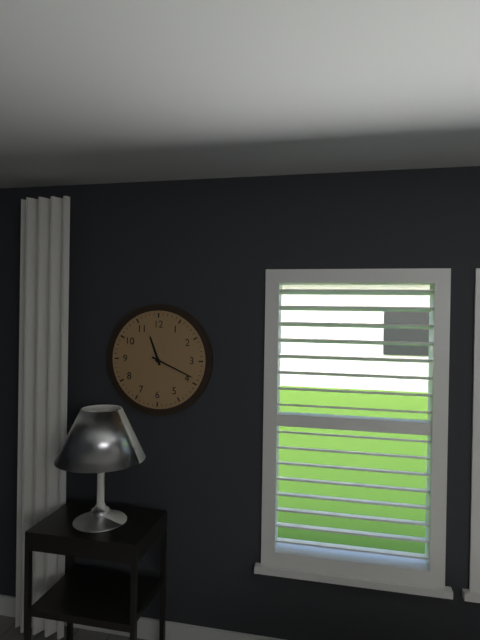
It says 11.19
